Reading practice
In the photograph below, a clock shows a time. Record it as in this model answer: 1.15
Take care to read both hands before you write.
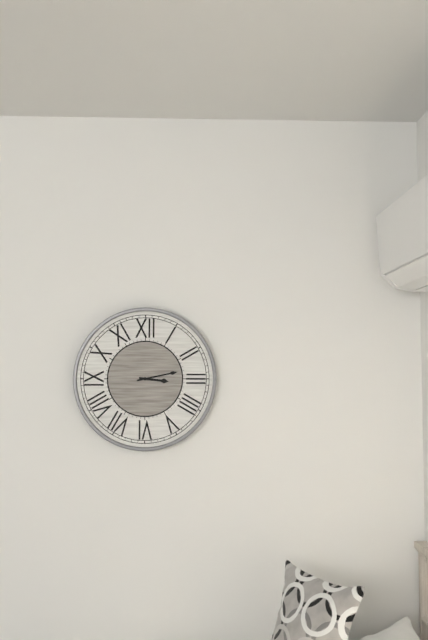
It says 3.13
